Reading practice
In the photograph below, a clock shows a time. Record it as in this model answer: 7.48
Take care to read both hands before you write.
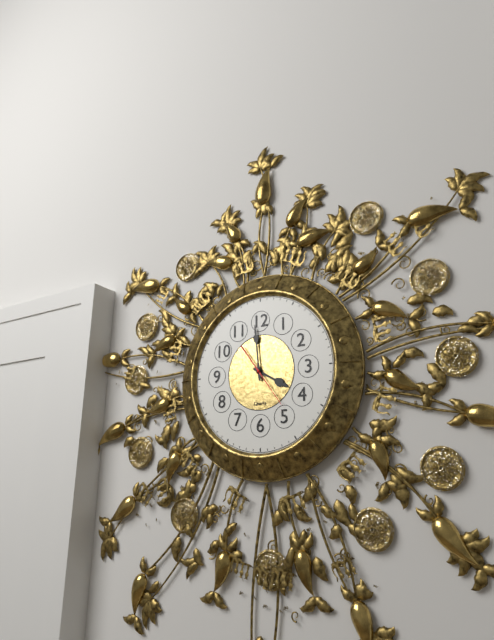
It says 3.59
